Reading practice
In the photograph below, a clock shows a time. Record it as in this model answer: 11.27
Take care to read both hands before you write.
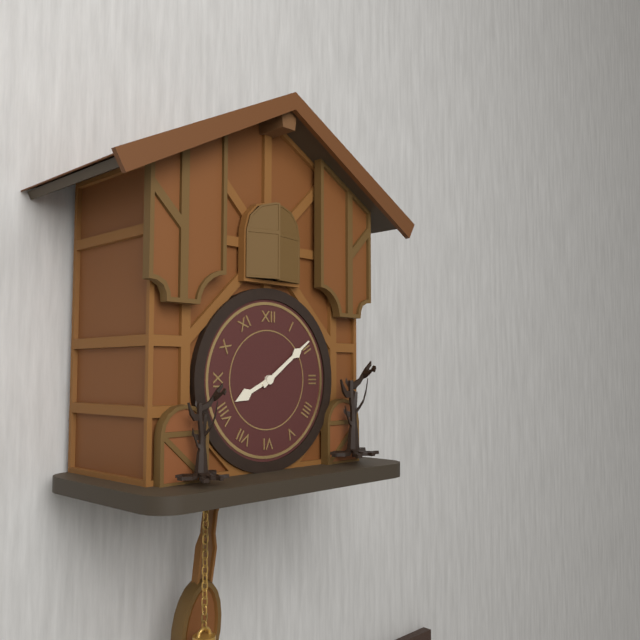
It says 8.09
